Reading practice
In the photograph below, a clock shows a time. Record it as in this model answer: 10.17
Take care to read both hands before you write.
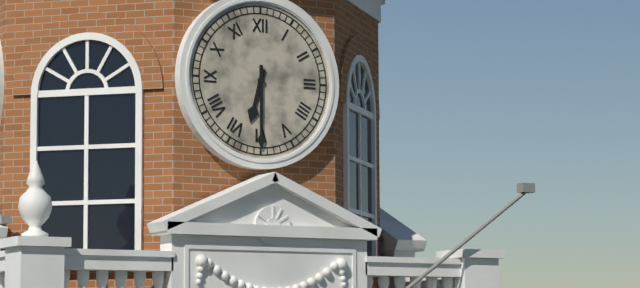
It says 6.30
